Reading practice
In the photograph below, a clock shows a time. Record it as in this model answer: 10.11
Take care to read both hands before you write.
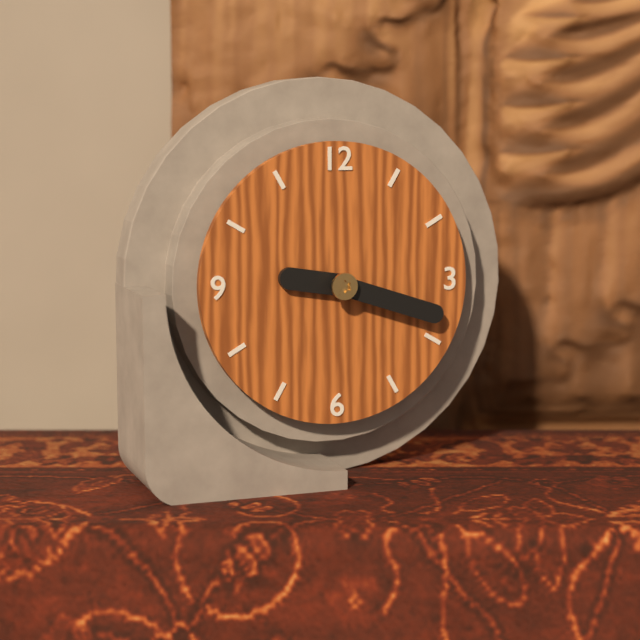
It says 9.18
